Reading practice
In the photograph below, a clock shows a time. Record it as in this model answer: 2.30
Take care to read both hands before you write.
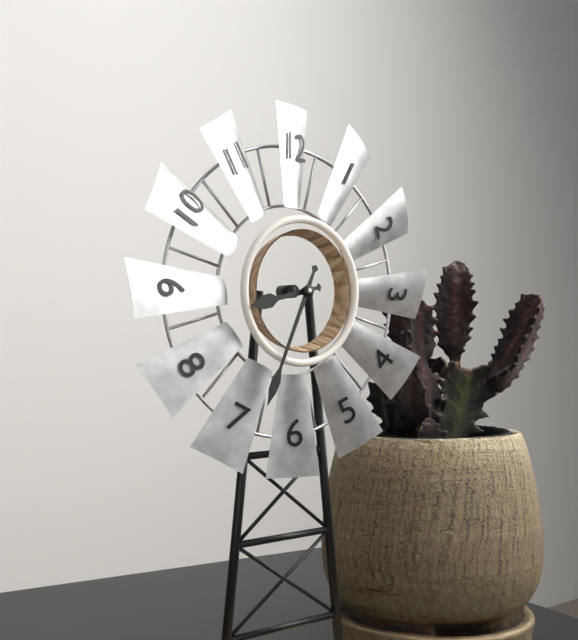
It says 8.34
